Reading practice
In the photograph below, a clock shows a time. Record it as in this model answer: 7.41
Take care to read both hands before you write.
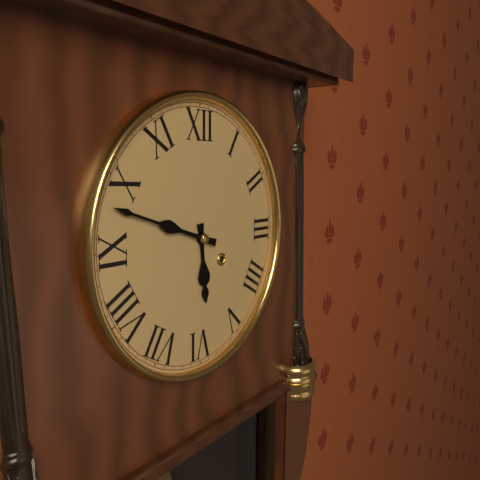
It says 5.48
